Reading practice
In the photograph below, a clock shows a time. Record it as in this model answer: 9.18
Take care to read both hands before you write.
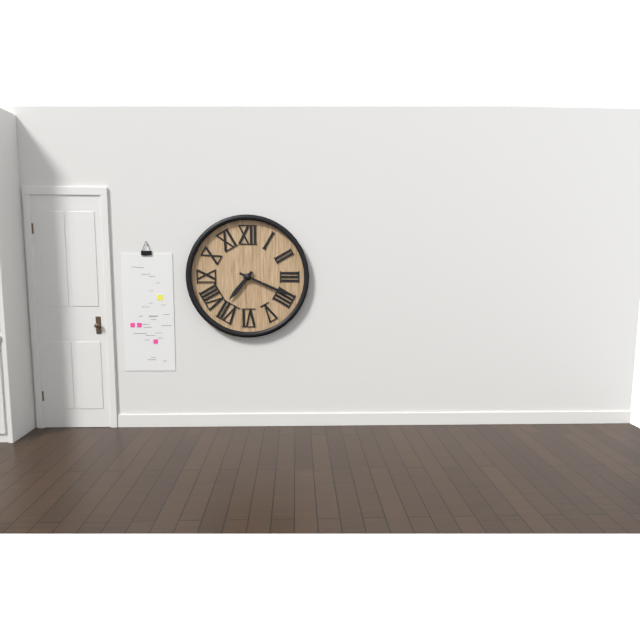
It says 7.19
